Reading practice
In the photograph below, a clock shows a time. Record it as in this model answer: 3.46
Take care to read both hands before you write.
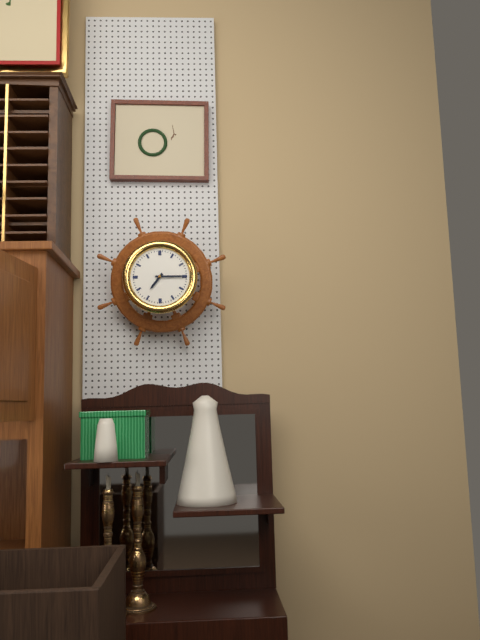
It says 7.15
